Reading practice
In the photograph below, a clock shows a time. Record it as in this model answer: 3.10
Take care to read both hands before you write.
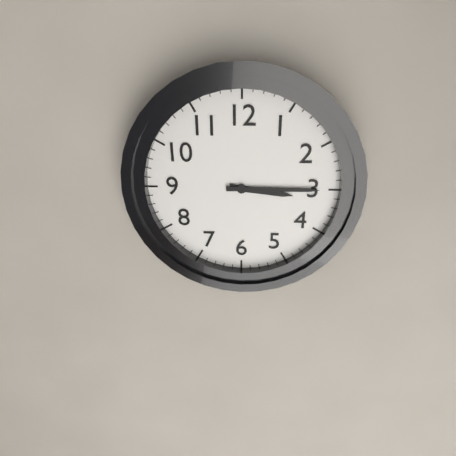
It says 3.15
